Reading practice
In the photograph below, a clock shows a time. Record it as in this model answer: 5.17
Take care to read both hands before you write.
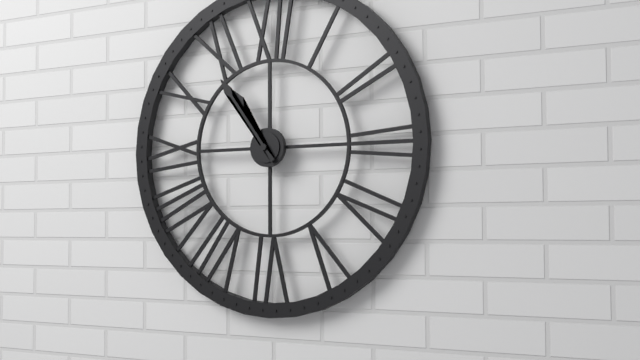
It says 10.54
